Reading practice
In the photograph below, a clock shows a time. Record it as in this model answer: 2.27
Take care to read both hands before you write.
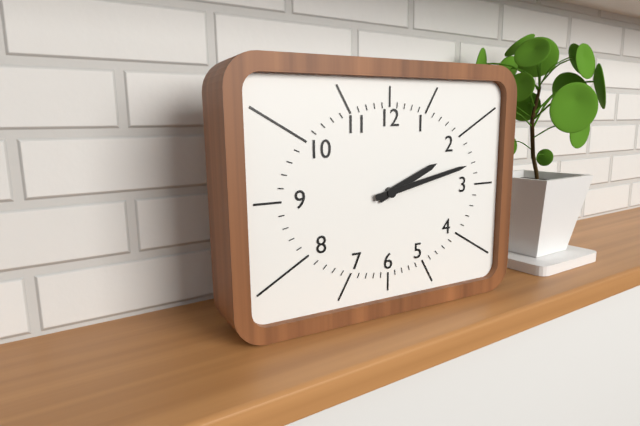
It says 2.13
